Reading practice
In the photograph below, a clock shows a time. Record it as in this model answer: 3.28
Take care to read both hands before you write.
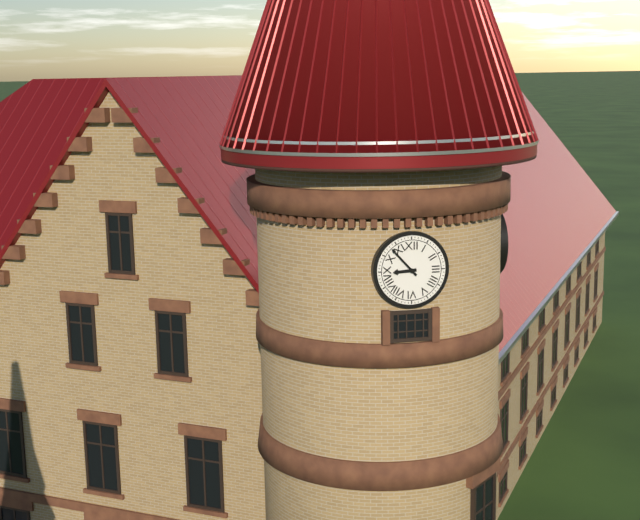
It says 8.53
